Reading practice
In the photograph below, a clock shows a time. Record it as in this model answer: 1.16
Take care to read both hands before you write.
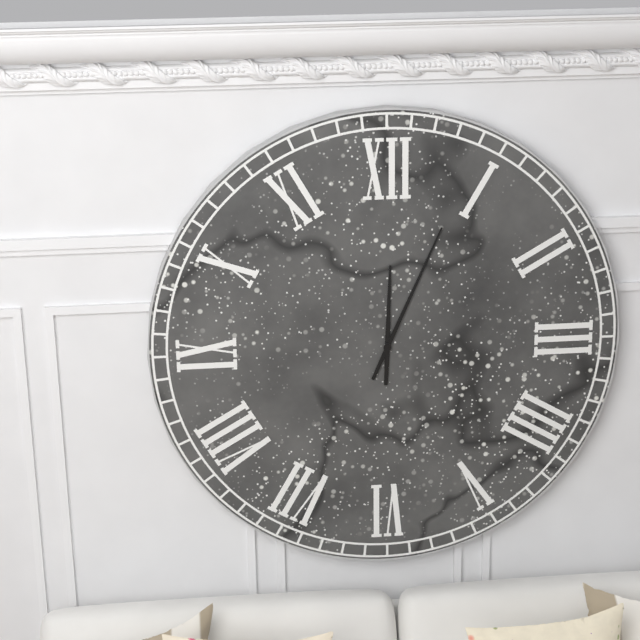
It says 12.04
